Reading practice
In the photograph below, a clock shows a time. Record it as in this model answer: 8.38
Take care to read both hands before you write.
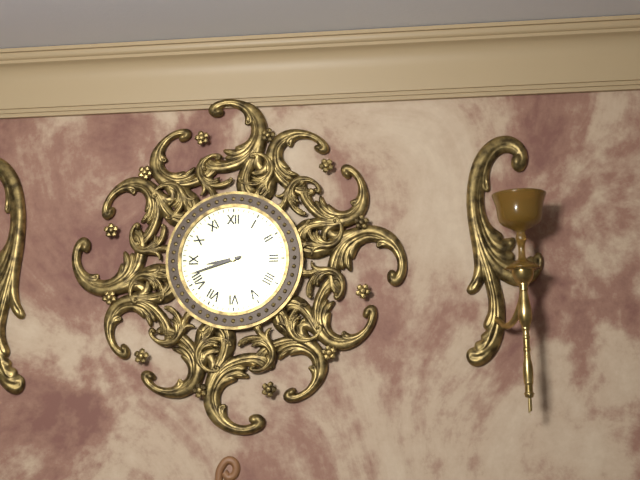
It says 8.42
